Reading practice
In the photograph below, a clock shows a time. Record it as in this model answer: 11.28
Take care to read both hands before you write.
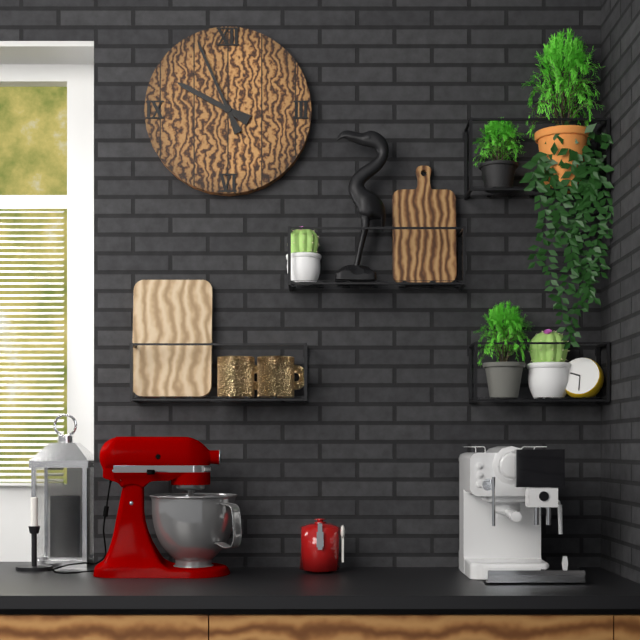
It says 9.56
